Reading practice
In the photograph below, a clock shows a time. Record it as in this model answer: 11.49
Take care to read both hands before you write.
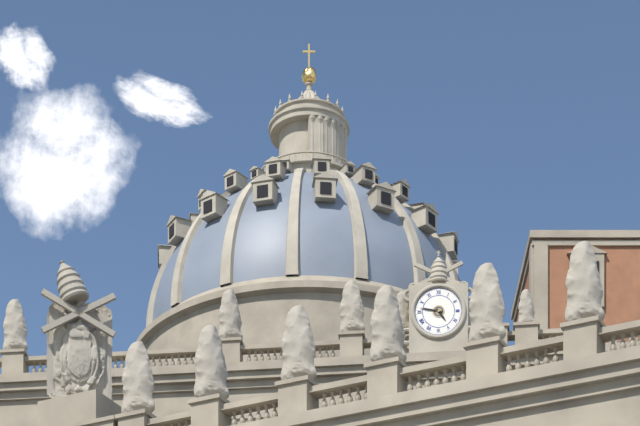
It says 4.47
